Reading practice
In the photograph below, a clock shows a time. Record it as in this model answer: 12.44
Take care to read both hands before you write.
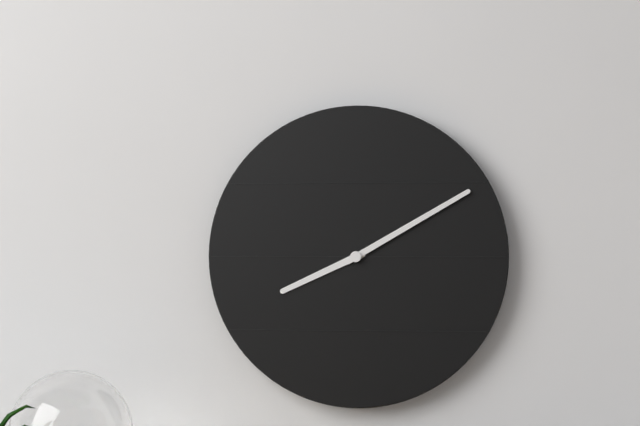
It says 8.10
